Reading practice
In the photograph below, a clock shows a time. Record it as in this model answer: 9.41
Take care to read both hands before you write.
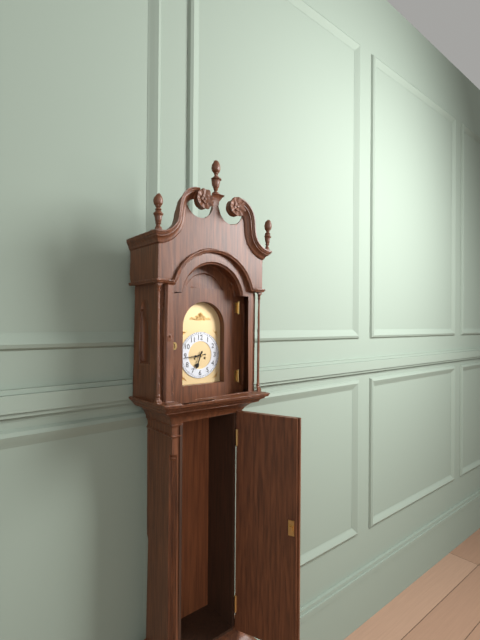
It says 6.44
